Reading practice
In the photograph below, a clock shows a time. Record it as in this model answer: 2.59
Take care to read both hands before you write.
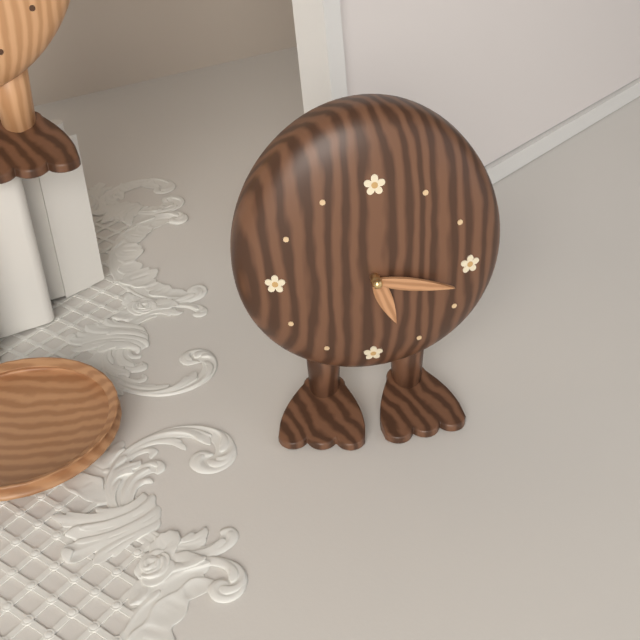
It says 5.17
